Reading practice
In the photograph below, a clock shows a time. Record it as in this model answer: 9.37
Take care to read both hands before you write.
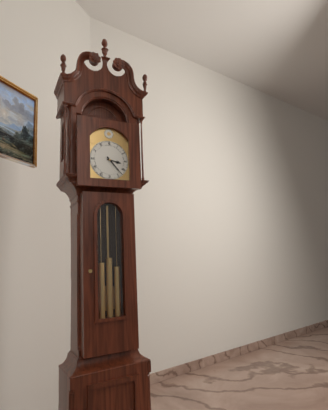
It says 3.23
